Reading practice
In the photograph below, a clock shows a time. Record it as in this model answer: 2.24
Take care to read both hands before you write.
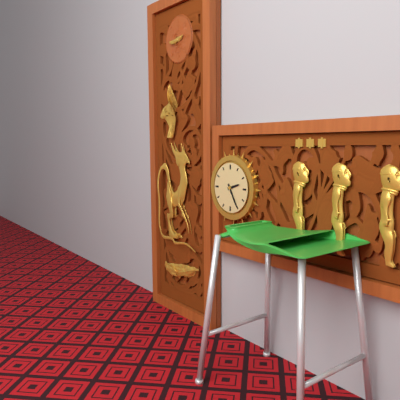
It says 2.25
